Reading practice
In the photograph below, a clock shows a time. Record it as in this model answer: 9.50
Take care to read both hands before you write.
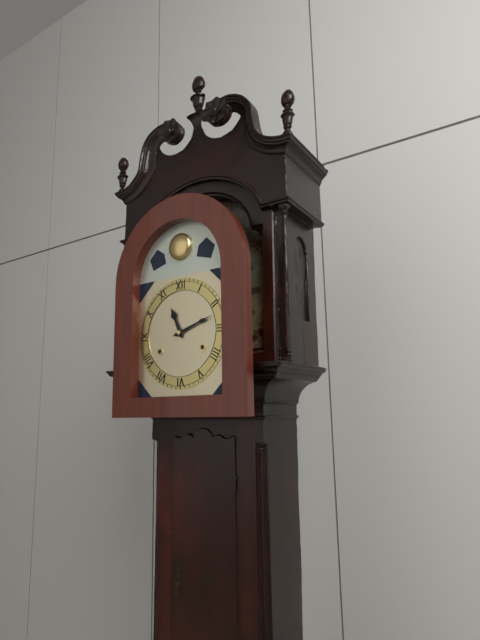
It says 11.12
